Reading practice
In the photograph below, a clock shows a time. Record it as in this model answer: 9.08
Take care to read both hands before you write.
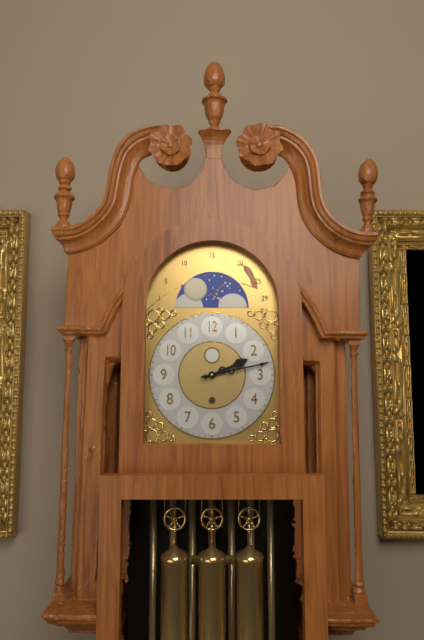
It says 2.13
